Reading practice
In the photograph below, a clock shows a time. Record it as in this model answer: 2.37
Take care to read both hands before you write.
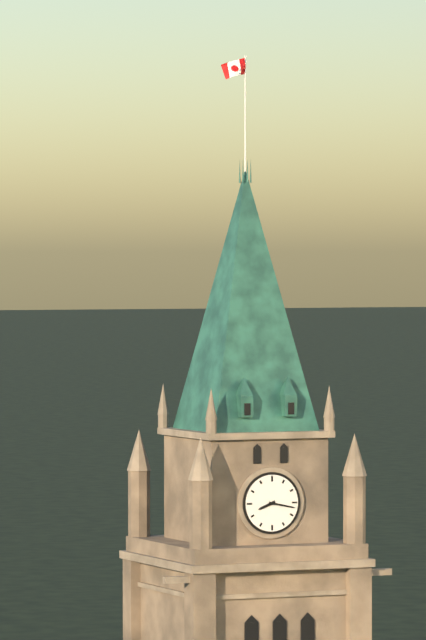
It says 8.17
